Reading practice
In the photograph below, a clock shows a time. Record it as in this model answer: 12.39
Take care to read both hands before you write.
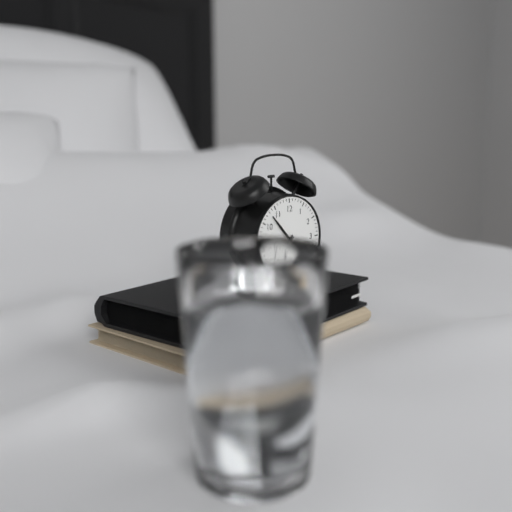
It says 7.53
